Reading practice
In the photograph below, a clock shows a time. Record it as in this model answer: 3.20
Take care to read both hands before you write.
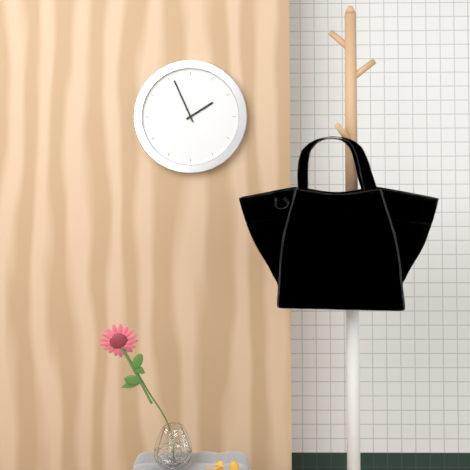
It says 1.56
